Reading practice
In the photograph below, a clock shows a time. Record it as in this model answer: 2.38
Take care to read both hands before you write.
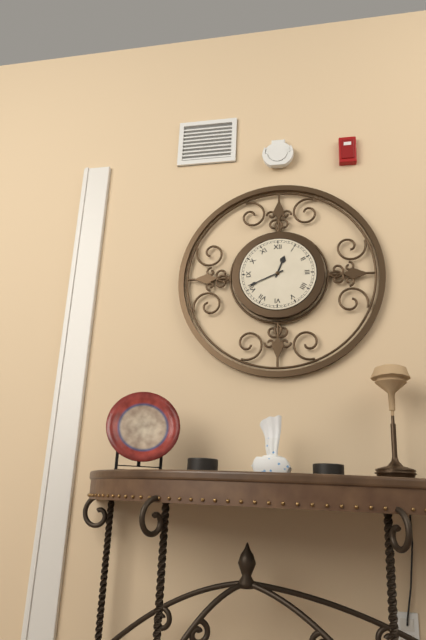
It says 12.41
